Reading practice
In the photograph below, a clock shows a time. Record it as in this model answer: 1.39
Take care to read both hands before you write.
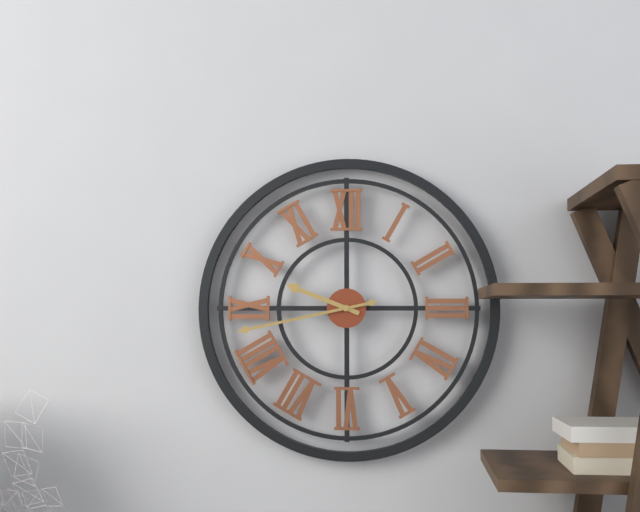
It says 9.43
